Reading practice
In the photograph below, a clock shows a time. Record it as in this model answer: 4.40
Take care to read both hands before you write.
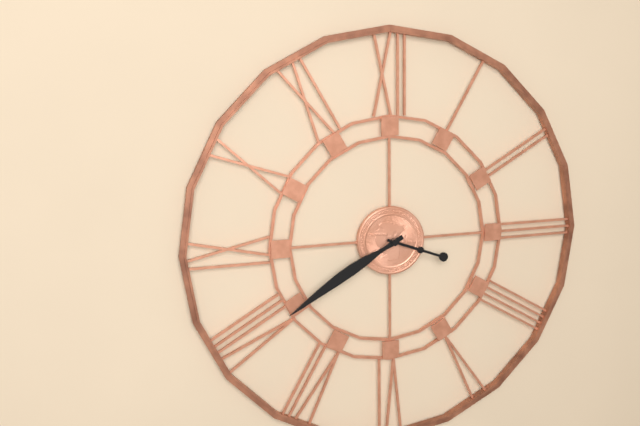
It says 3.40
